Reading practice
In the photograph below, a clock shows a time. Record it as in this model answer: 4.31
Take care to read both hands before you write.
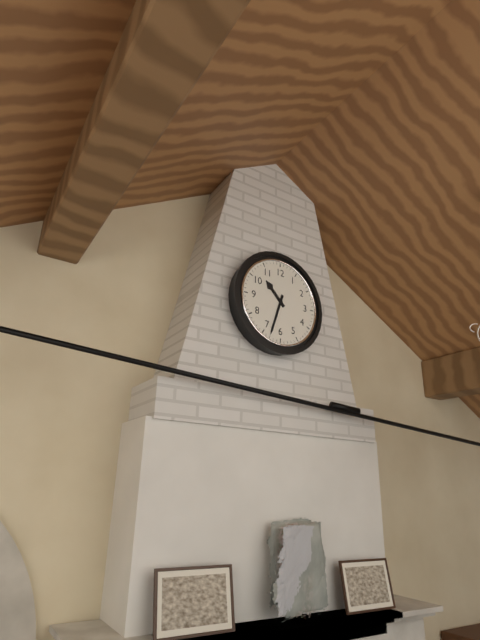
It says 10.33
